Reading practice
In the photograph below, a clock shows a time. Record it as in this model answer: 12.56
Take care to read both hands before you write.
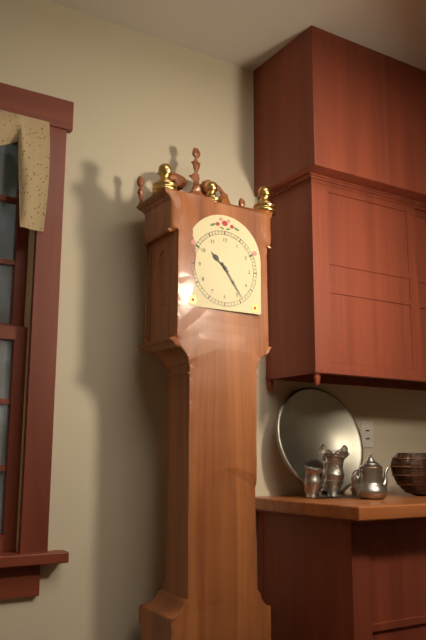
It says 10.24
